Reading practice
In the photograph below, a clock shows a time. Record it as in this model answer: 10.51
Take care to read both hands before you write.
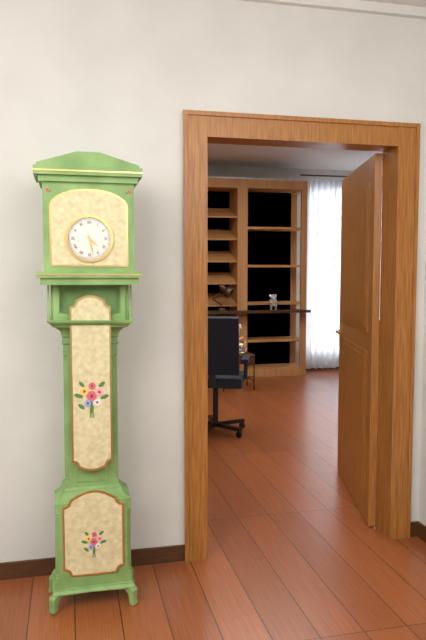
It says 4.28
